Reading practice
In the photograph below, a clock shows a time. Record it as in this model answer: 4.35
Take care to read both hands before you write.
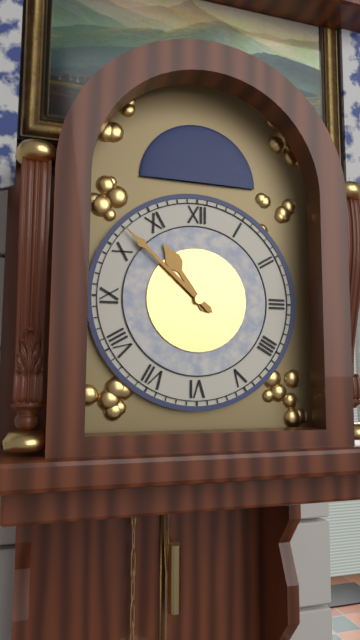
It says 10.52
